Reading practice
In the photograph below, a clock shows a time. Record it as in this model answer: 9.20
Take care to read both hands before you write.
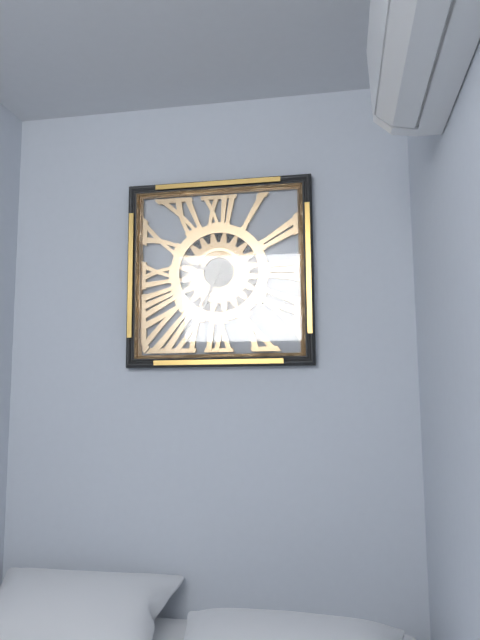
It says 9.34
